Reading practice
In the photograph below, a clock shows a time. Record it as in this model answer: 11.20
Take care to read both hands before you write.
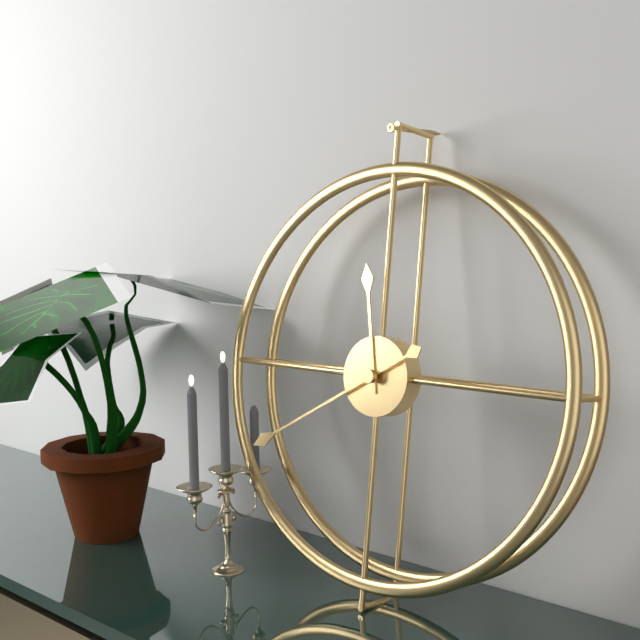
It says 11.40
